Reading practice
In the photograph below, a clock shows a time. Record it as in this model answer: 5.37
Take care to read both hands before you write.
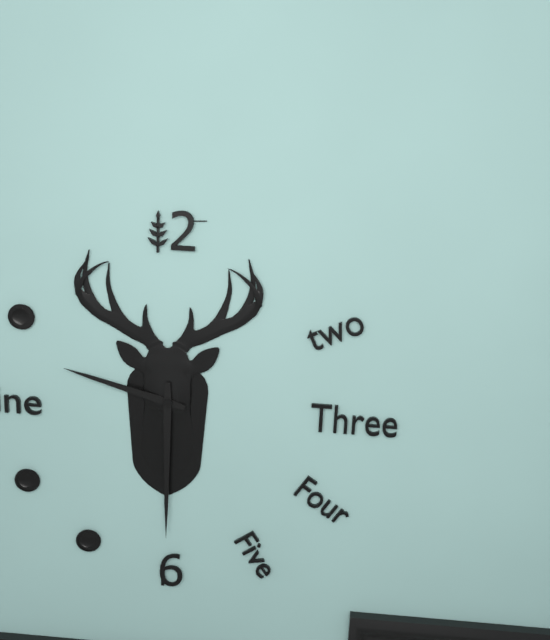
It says 9.30
